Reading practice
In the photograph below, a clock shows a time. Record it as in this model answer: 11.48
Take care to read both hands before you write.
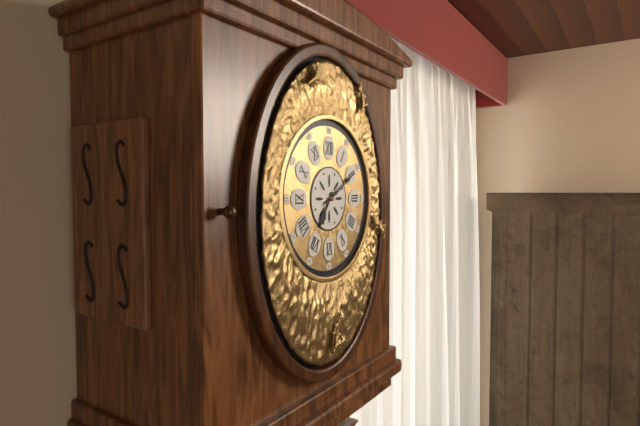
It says 7.10
